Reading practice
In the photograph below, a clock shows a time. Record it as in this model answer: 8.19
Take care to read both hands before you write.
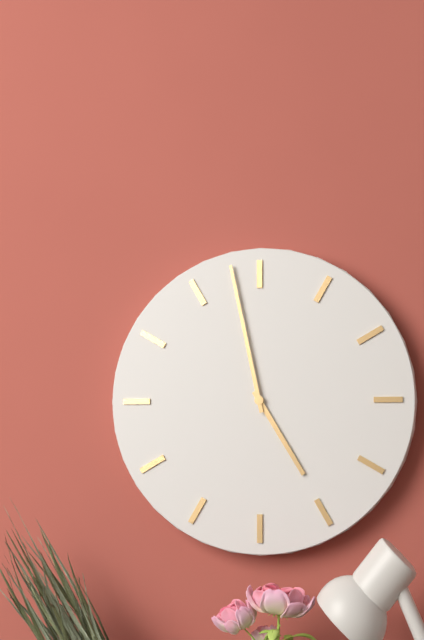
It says 4.58
